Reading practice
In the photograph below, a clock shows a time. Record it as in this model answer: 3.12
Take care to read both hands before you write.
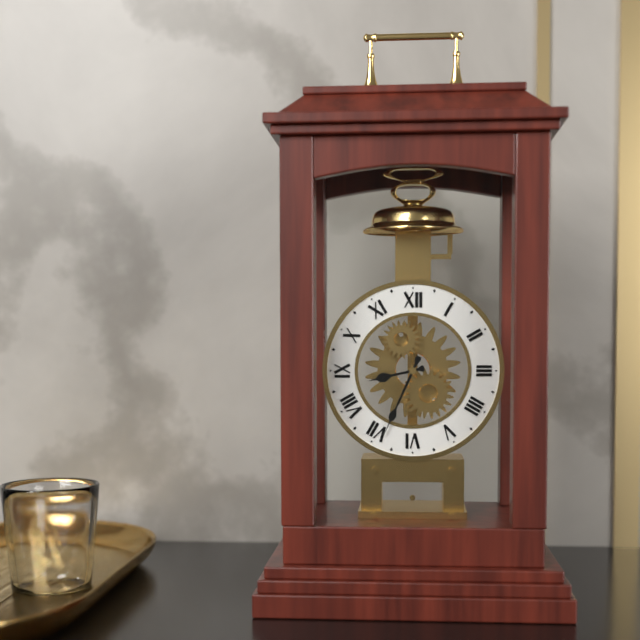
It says 8.34
